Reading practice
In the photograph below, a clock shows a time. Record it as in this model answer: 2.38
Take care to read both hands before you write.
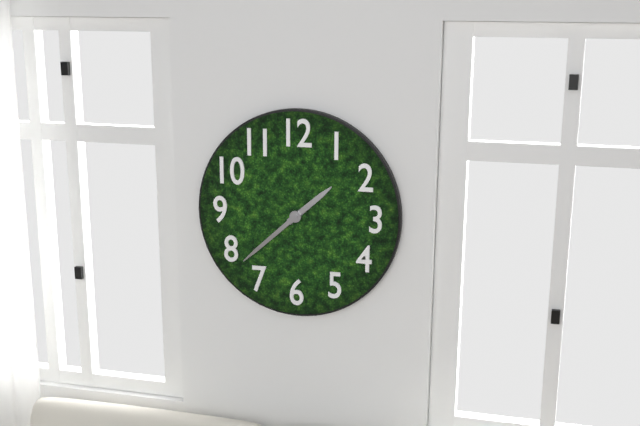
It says 1.38
